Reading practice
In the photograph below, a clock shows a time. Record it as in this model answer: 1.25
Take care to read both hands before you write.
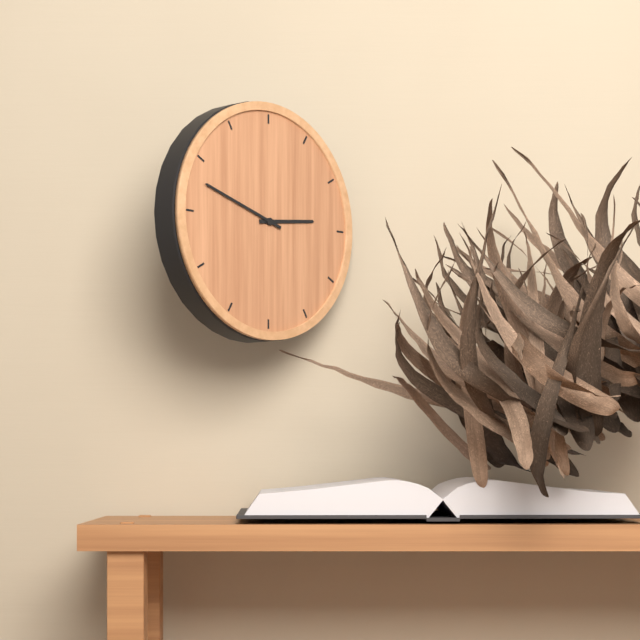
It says 2.48
